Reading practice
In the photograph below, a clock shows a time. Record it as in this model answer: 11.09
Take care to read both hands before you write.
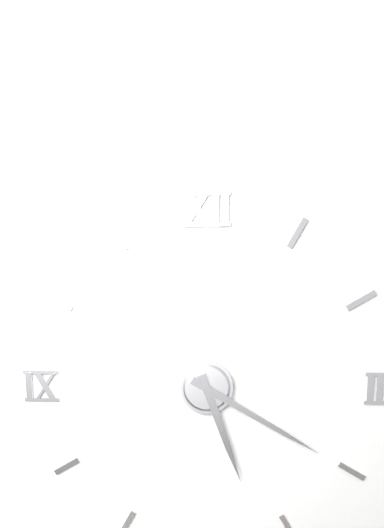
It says 5.20
